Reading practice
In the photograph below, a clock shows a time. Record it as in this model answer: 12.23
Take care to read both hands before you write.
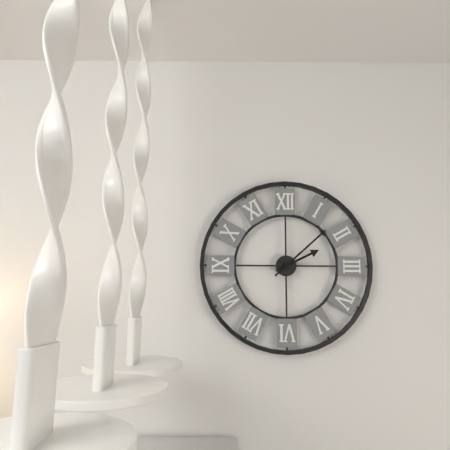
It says 2.08
